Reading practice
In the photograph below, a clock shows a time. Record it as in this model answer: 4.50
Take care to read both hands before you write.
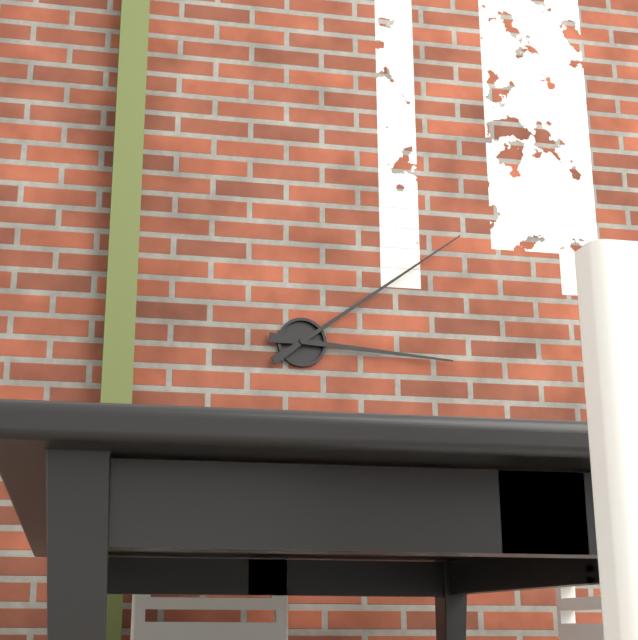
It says 3.09
